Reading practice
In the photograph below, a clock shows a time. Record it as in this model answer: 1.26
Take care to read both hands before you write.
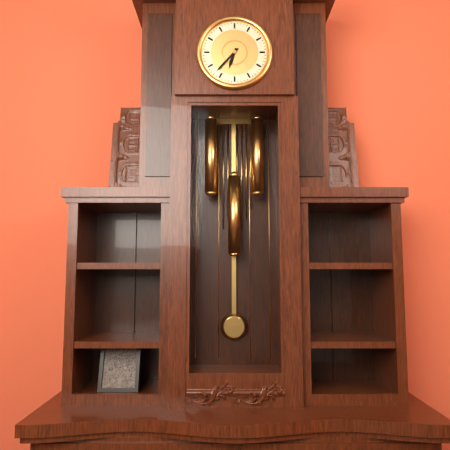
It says 6.37
